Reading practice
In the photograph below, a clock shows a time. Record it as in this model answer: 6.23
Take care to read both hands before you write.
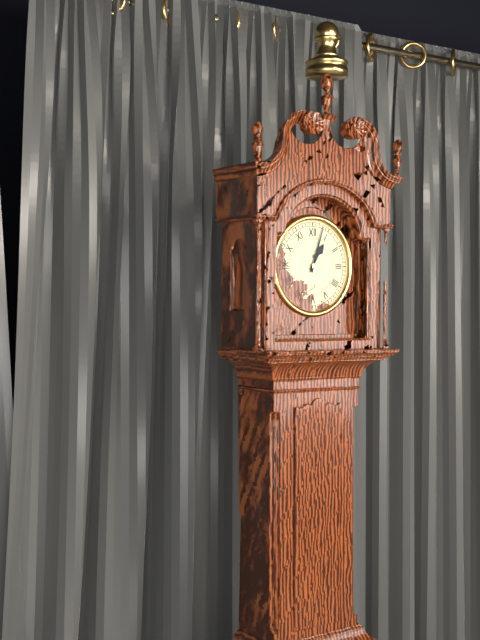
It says 1.03
